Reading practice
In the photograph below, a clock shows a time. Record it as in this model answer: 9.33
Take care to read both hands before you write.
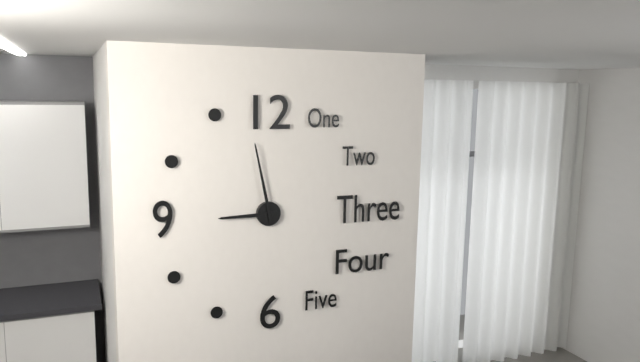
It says 8.58
